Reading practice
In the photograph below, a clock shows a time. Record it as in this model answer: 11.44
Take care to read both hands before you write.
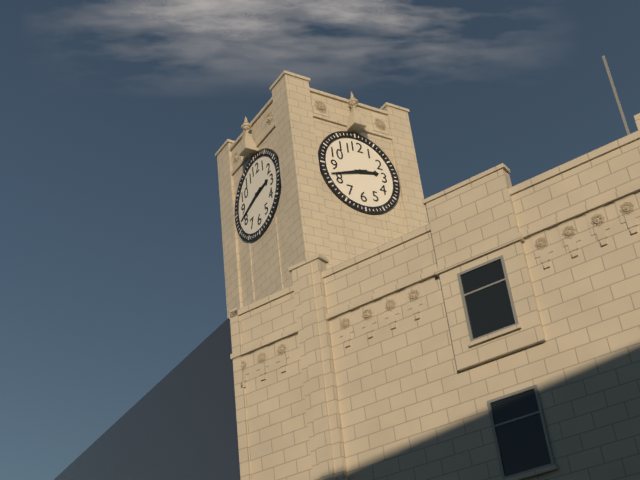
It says 2.42
